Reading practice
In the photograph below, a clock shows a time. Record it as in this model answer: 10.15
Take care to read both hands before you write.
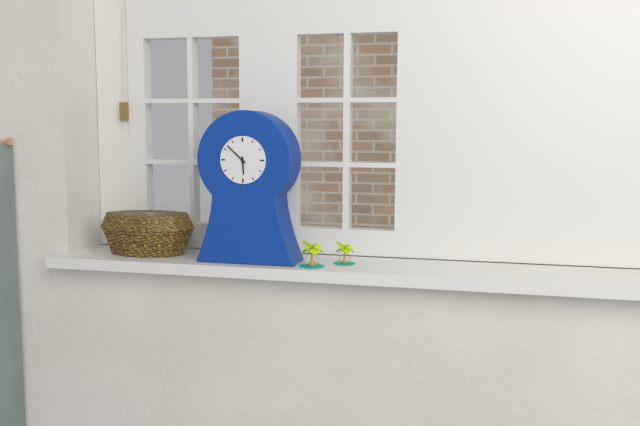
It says 5.52
